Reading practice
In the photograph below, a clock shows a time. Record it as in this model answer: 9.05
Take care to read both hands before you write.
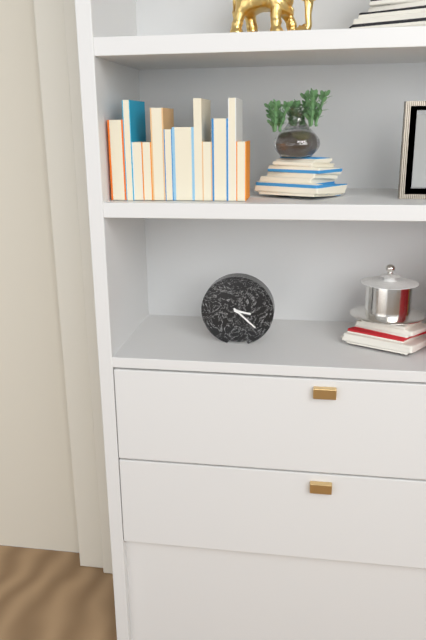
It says 3.22
